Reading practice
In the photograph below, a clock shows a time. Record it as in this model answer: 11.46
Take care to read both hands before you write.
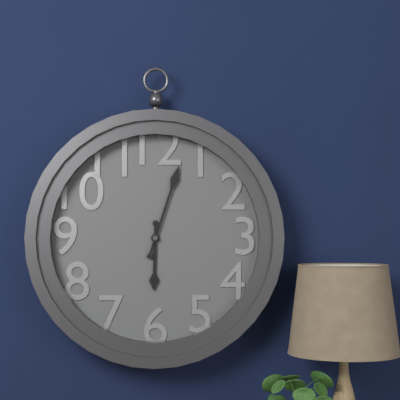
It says 6.03
